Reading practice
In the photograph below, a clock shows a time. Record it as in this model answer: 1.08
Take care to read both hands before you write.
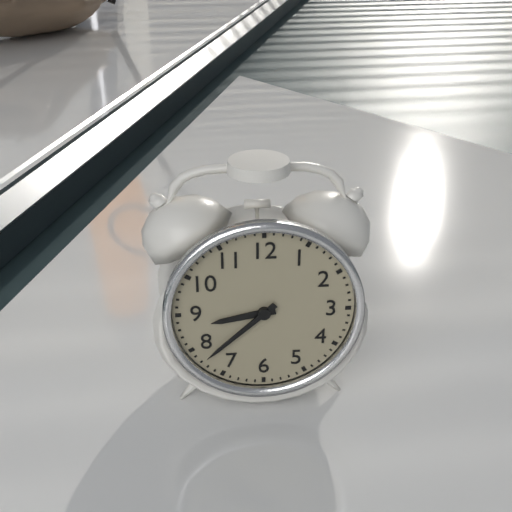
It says 8.38
